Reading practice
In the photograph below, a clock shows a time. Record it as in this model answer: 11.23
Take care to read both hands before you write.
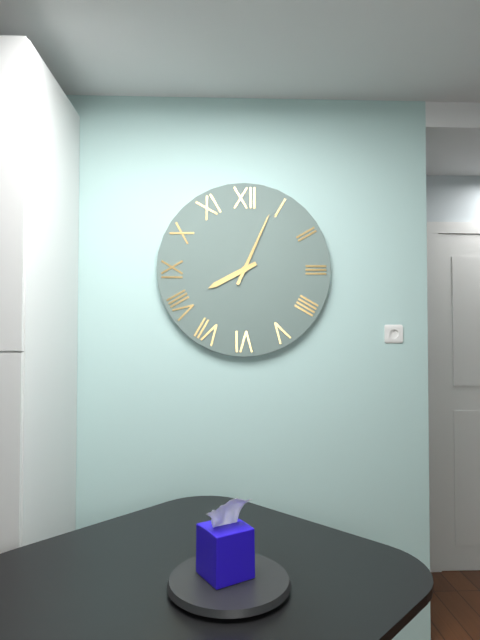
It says 8.04
